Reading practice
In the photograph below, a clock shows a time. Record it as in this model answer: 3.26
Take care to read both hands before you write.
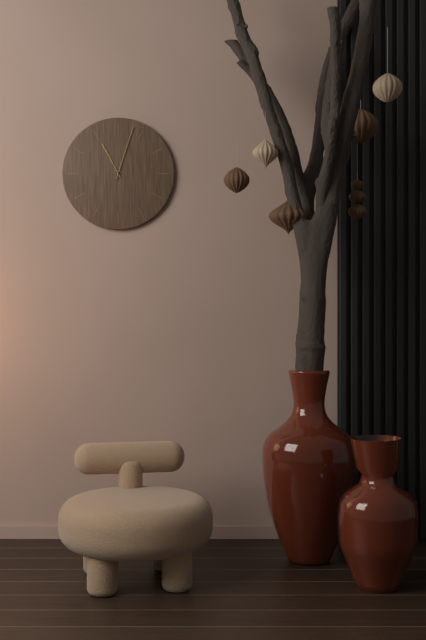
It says 11.03
